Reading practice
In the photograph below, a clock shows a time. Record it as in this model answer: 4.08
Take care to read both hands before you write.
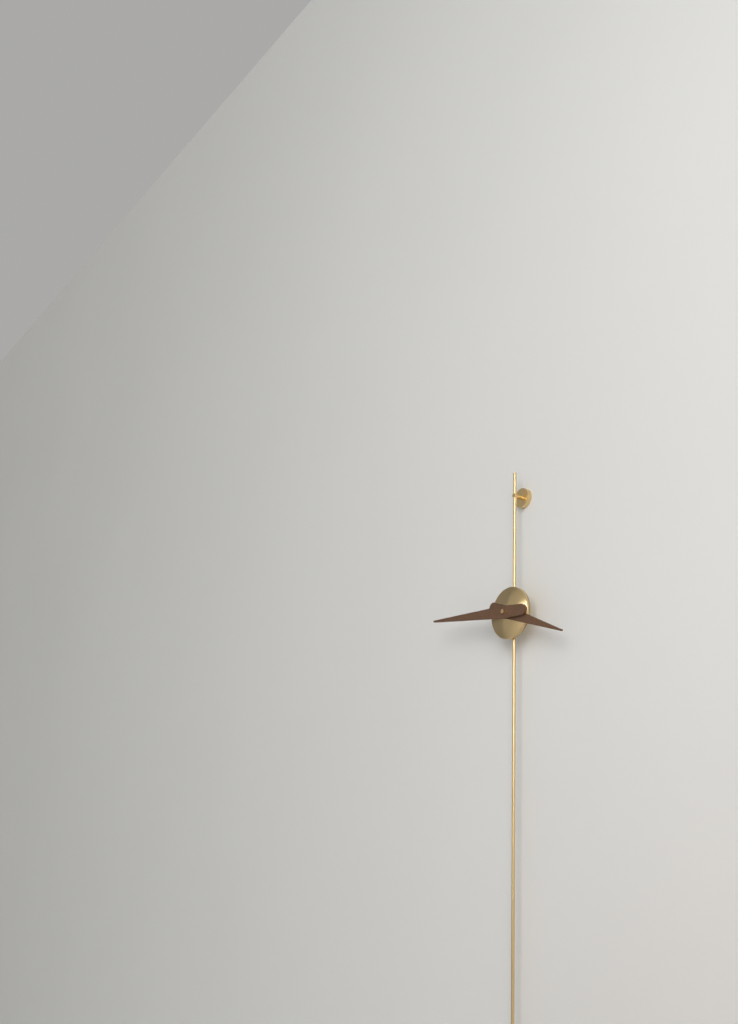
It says 3.46
